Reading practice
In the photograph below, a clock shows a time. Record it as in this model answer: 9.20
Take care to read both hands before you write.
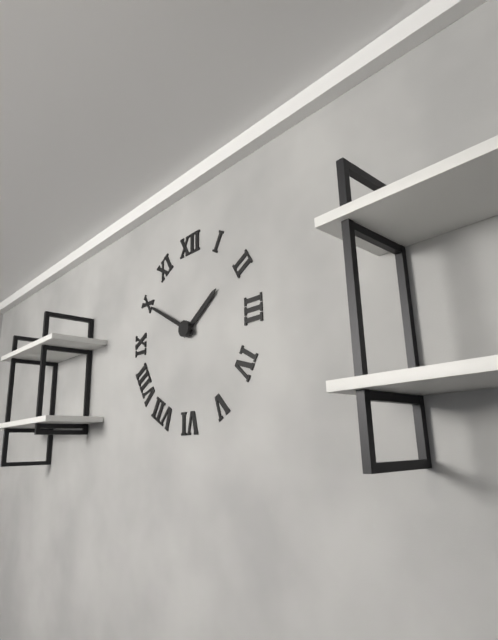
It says 1.50
